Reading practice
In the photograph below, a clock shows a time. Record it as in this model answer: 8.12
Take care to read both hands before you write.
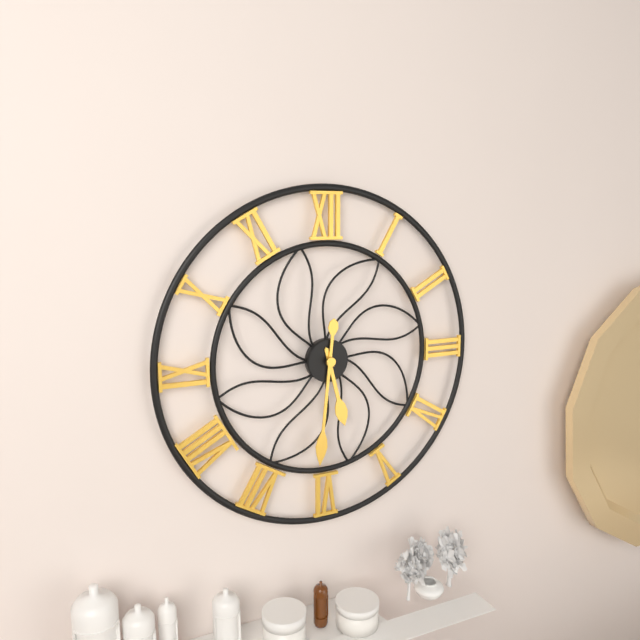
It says 5.31
